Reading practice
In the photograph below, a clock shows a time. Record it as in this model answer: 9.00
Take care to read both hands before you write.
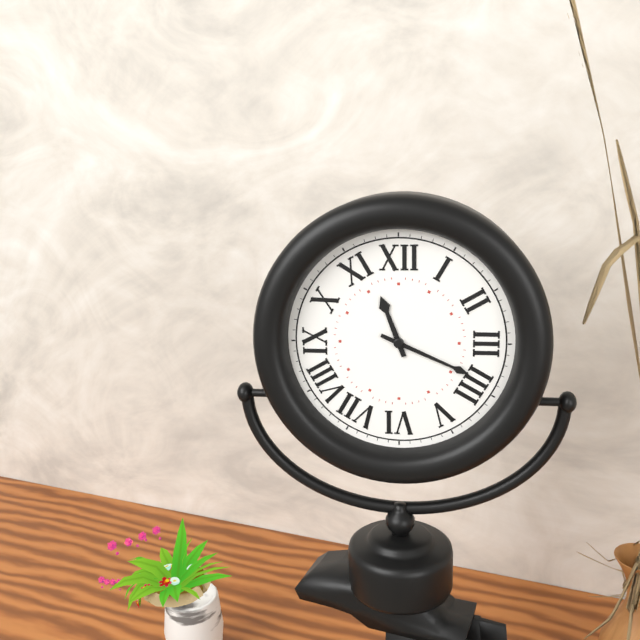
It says 11.19
